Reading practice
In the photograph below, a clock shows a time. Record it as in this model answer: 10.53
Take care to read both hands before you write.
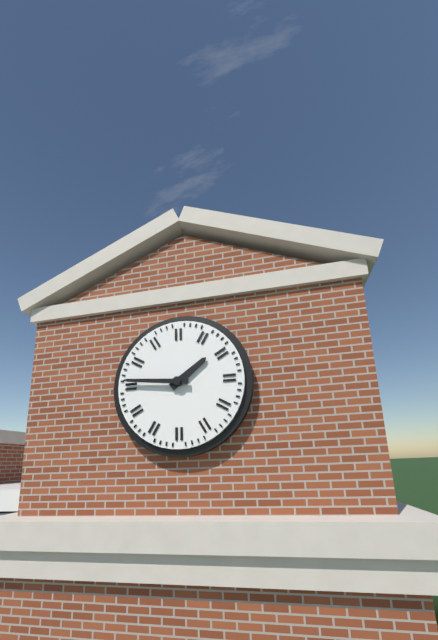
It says 1.46
